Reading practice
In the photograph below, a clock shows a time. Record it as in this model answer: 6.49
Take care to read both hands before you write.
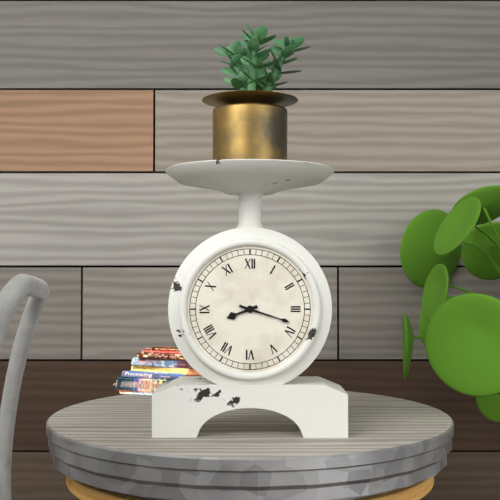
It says 8.18
